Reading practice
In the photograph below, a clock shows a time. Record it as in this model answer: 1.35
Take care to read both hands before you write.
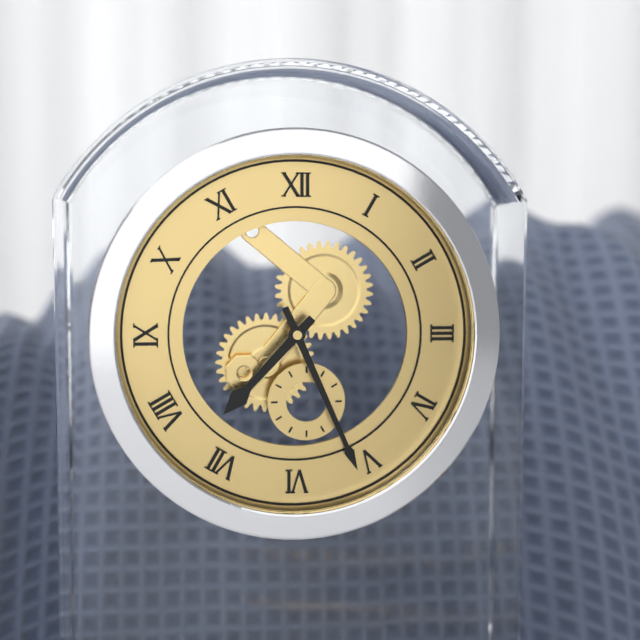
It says 7.26
